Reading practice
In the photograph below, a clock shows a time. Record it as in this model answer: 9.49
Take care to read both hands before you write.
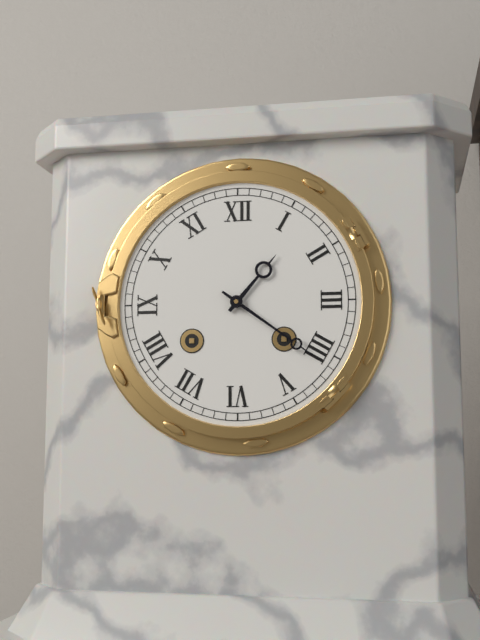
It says 1.21
